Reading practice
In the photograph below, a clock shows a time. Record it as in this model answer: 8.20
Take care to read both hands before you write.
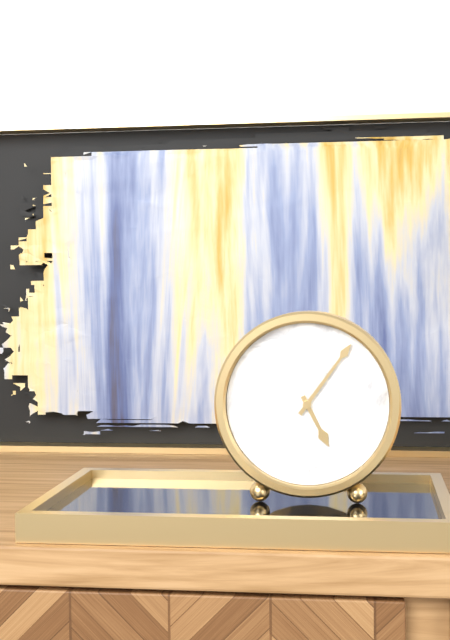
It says 5.06
